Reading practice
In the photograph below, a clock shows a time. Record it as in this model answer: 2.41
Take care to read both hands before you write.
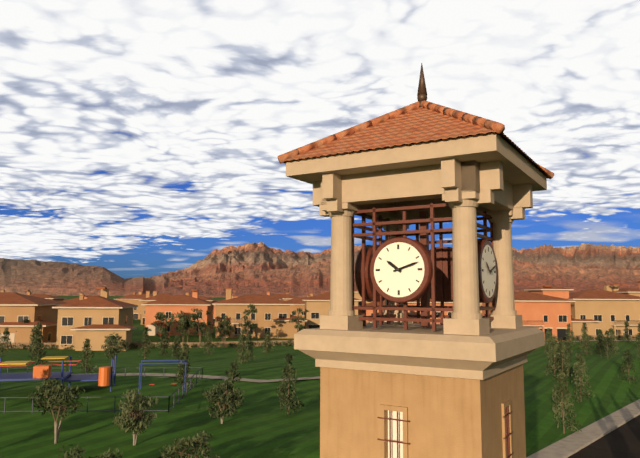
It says 10.12
